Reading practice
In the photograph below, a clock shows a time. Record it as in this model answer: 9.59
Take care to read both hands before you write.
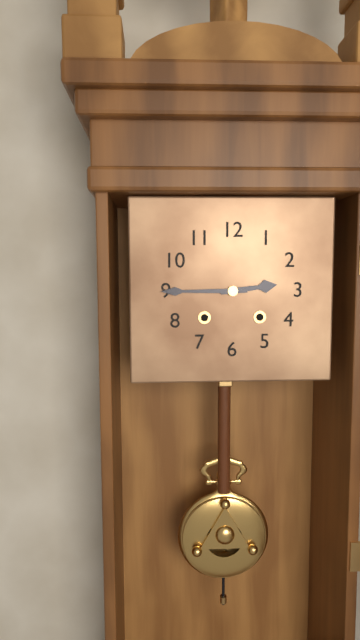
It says 2.45
